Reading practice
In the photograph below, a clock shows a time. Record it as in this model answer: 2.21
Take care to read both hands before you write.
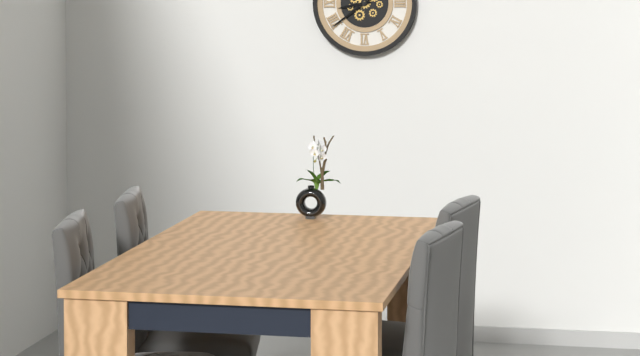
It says 8.39
